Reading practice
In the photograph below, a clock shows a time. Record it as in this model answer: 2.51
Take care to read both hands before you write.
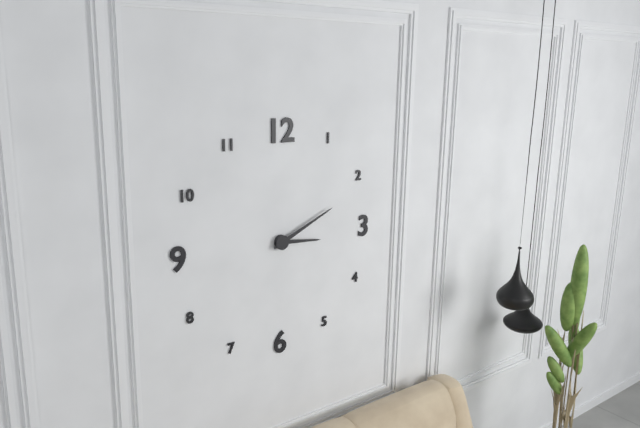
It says 3.11
